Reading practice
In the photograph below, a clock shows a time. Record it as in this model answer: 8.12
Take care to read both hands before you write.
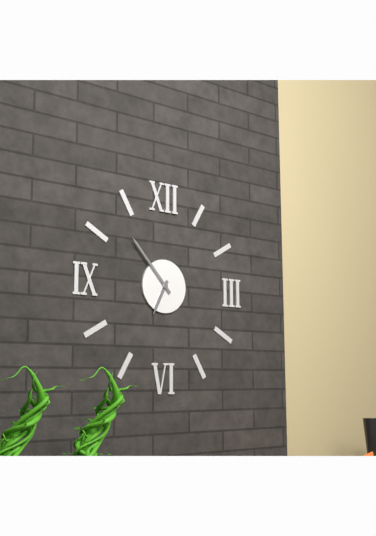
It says 6.53
